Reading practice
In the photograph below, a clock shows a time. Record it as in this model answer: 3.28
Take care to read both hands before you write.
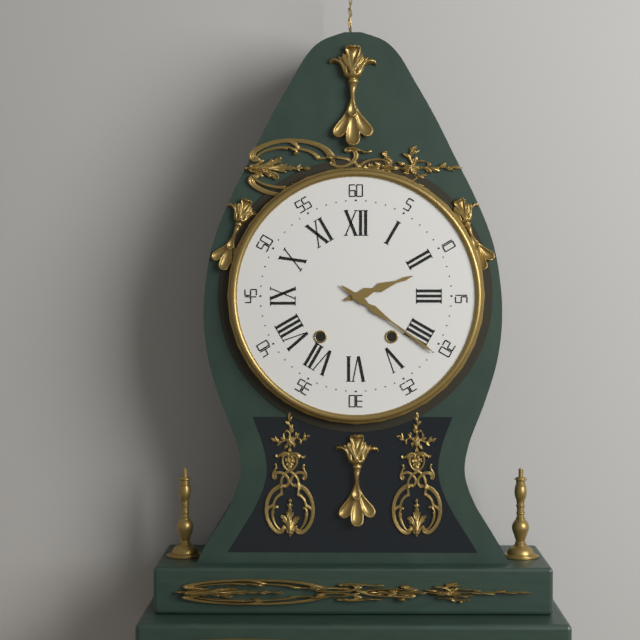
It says 2.21
